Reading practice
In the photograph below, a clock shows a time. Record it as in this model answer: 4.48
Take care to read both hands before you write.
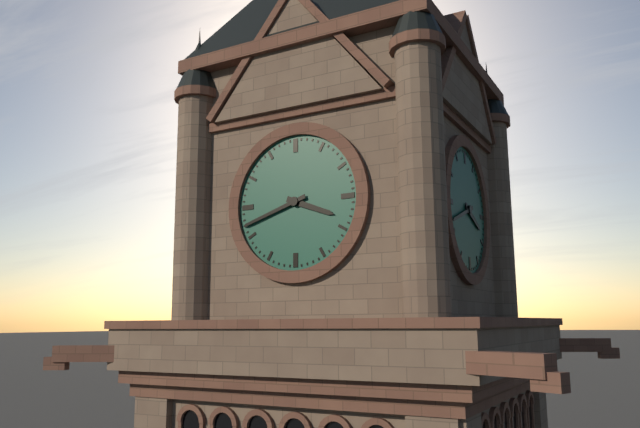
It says 3.42
